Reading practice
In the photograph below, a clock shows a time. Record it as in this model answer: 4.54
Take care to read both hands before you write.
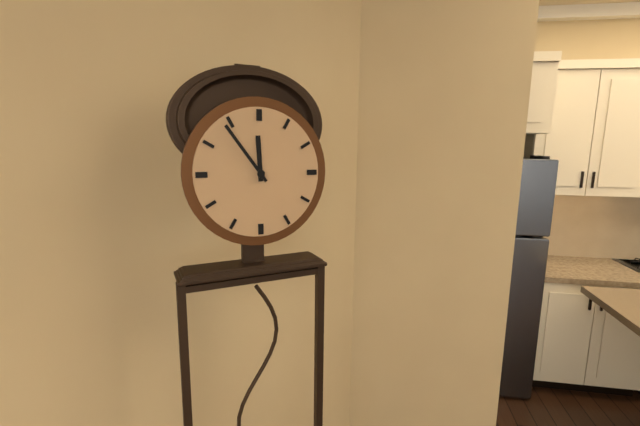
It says 11.54
